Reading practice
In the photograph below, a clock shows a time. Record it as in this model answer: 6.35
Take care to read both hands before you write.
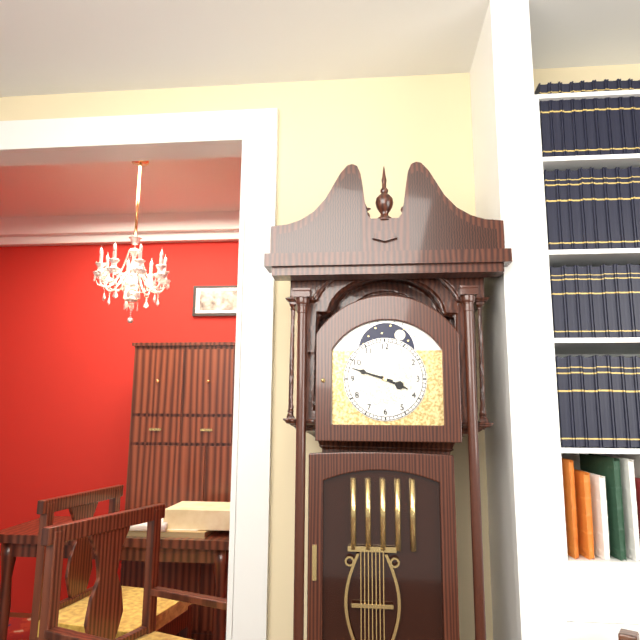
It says 3.48
